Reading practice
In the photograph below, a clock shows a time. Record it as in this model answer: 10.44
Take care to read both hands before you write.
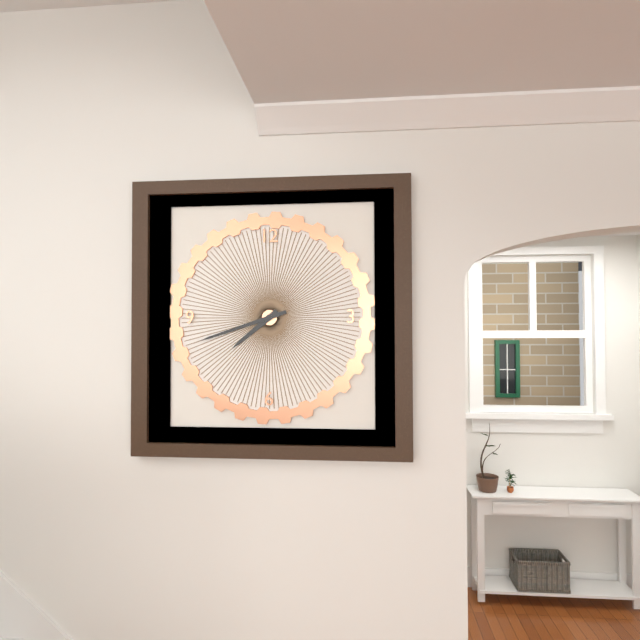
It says 7.42
